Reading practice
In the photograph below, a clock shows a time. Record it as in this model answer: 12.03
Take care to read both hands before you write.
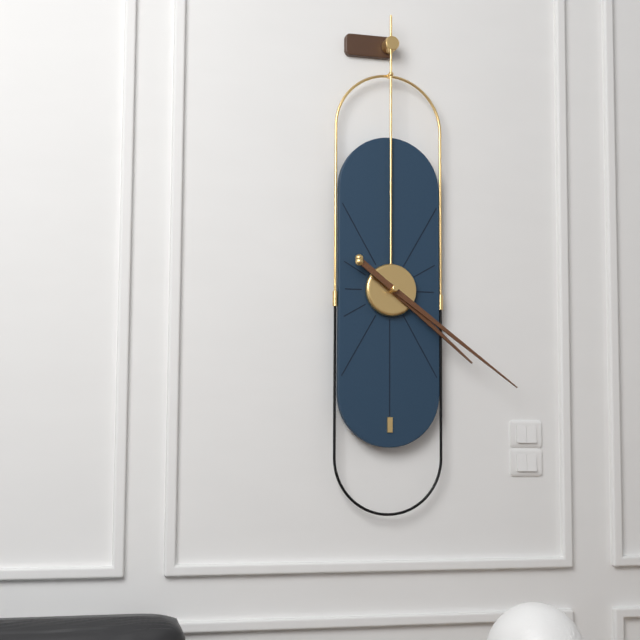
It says 4.21
